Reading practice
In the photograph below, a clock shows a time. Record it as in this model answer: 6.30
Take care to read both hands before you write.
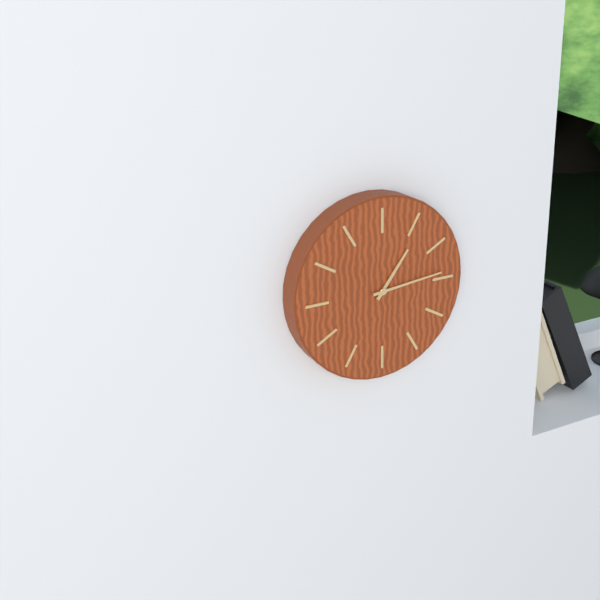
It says 1.14
